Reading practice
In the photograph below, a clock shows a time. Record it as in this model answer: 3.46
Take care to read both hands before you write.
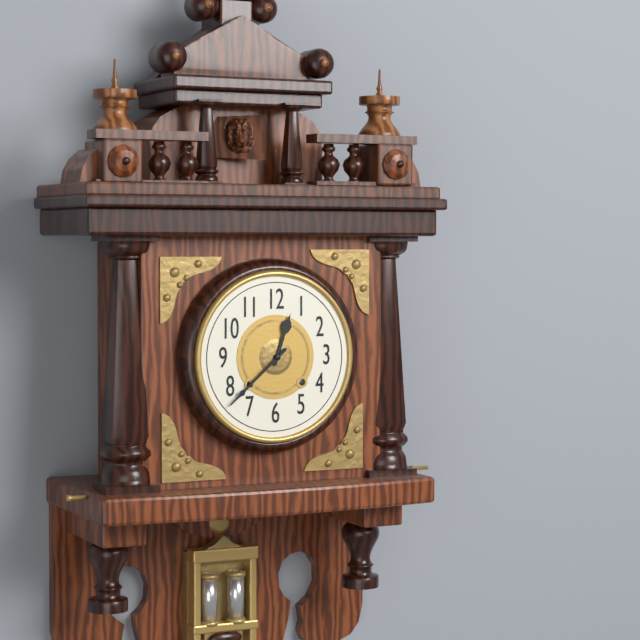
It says 12.38
